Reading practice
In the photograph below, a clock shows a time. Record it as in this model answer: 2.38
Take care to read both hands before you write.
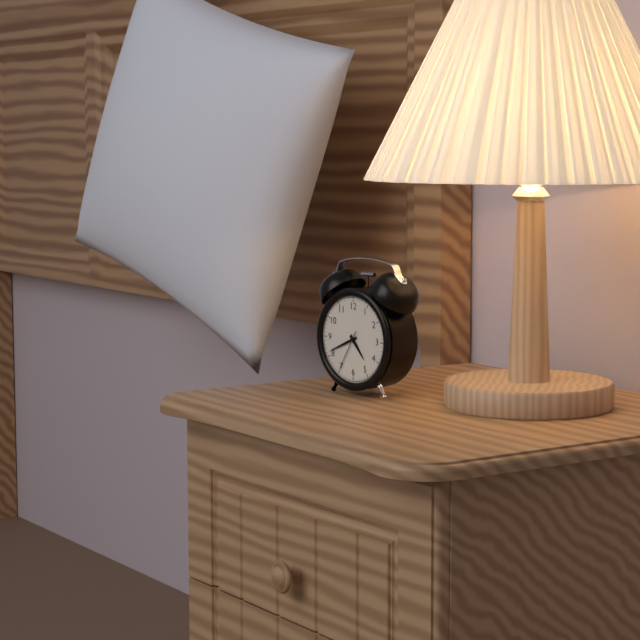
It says 4.41
